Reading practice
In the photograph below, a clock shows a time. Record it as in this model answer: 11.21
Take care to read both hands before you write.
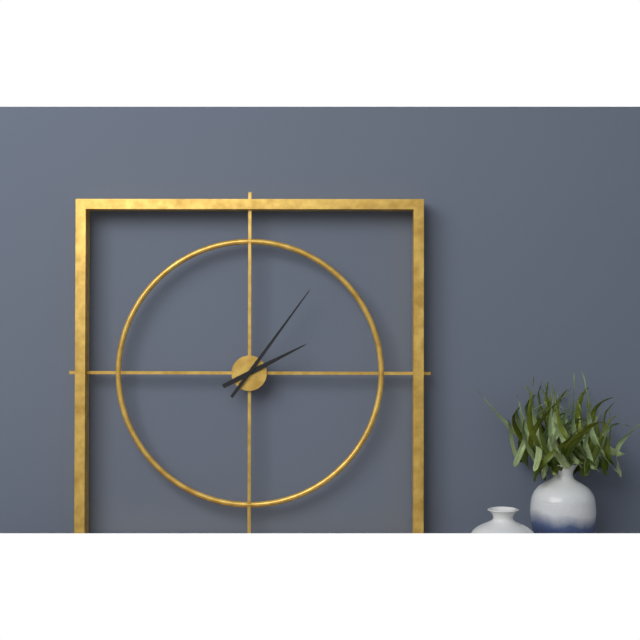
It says 2.06
